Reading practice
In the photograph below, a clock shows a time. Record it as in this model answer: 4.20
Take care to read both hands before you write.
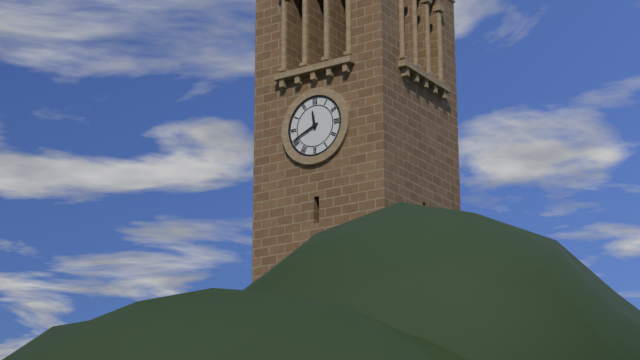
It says 11.41
